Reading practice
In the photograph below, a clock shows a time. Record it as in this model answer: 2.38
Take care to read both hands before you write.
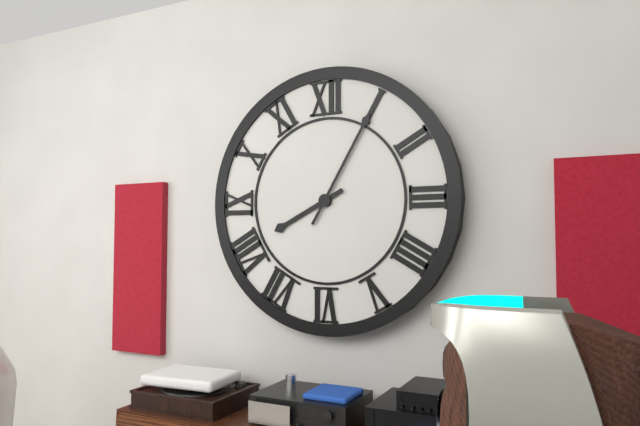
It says 8.05
